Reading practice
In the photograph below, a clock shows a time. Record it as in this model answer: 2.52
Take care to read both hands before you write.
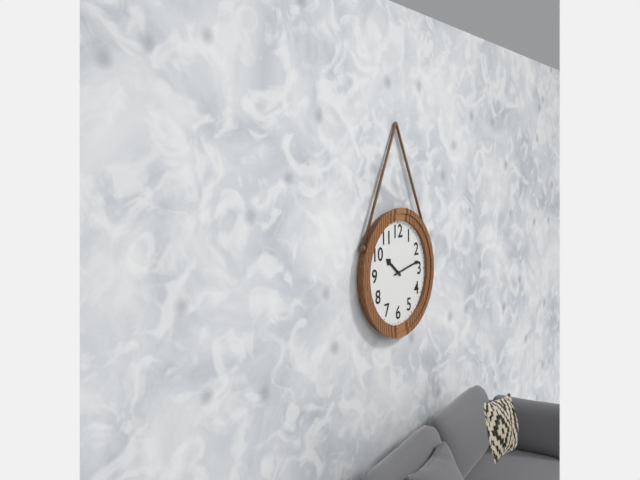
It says 10.13
